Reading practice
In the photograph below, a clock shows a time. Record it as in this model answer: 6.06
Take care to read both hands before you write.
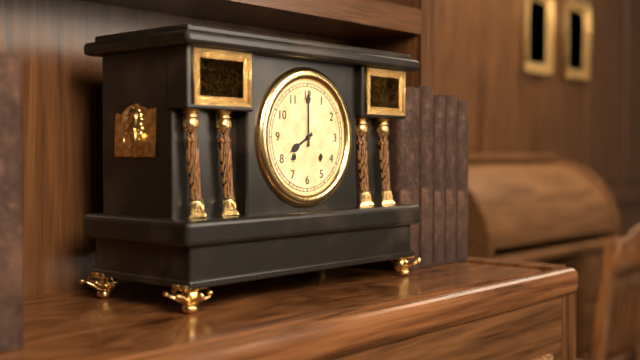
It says 8.00
